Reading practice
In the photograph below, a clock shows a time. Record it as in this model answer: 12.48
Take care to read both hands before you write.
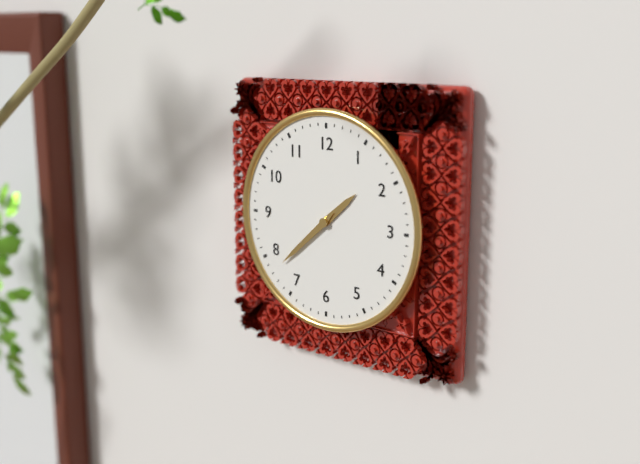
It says 1.38
